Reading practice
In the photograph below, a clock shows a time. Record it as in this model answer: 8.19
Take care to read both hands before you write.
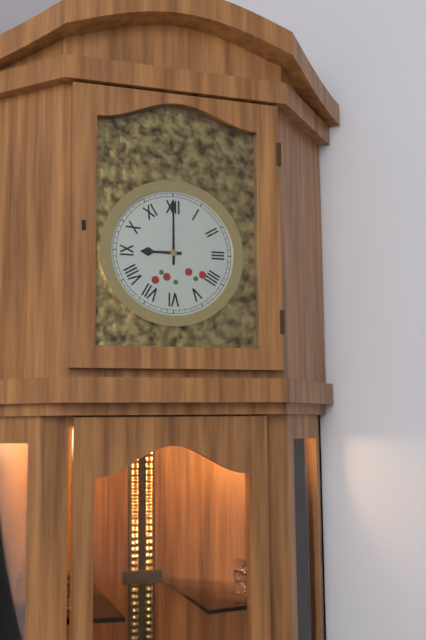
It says 9.00
